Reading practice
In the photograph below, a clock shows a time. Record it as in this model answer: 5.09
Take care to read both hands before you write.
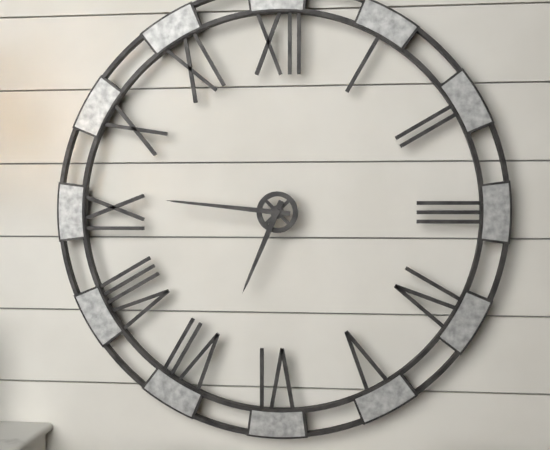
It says 6.46
